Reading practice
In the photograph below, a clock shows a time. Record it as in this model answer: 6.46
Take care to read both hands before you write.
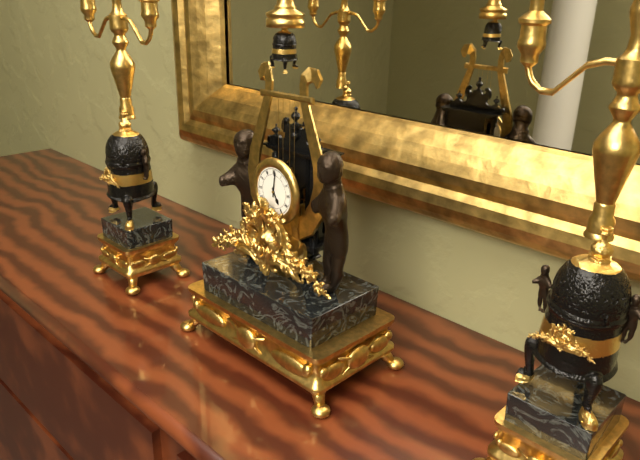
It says 5.01
